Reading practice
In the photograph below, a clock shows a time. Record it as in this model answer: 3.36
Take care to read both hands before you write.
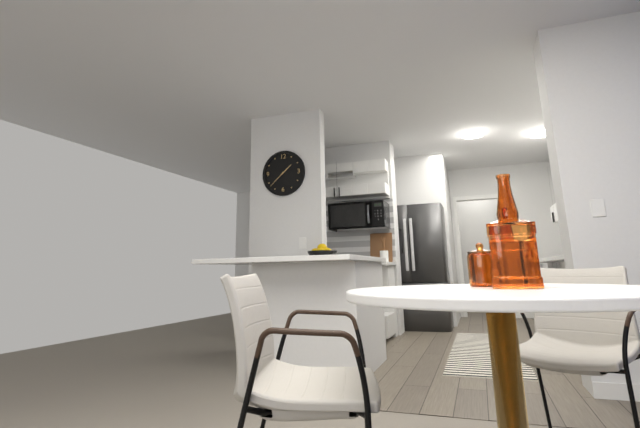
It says 1.38
